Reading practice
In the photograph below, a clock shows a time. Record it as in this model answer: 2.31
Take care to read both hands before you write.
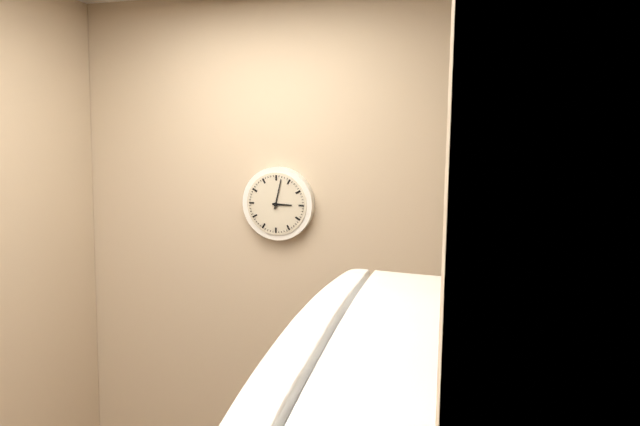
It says 3.02
